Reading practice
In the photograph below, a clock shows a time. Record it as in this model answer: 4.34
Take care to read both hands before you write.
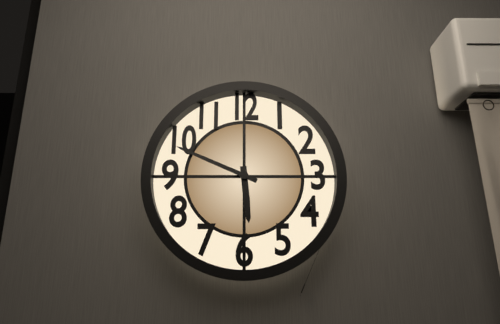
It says 5.49
